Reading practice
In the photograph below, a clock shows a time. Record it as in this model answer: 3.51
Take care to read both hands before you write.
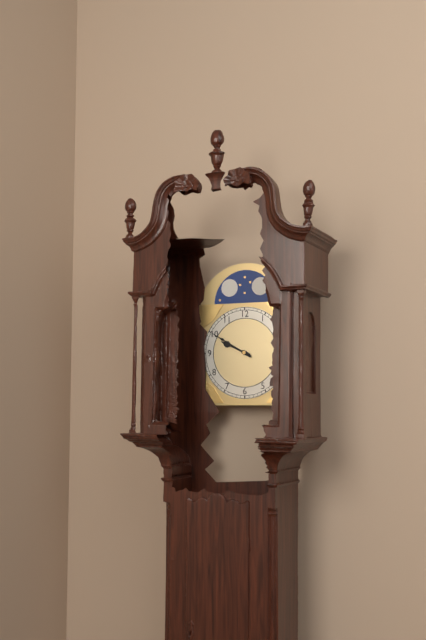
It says 9.50
